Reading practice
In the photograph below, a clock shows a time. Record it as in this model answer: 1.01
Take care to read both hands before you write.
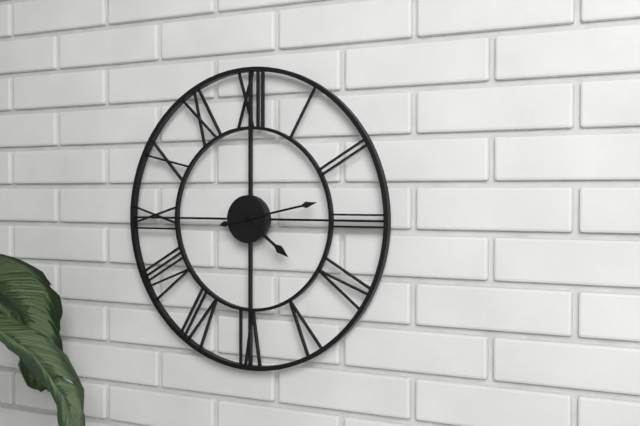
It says 4.13
